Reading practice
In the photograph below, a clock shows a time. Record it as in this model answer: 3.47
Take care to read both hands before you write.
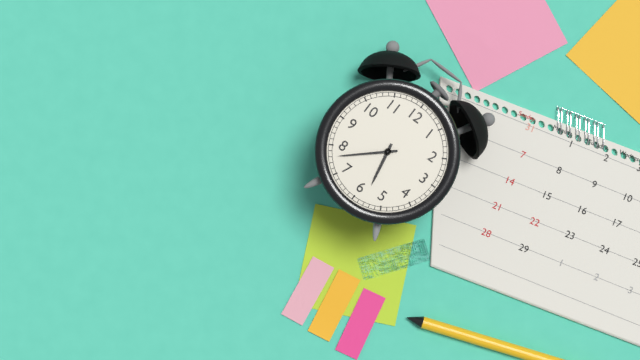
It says 5.38
